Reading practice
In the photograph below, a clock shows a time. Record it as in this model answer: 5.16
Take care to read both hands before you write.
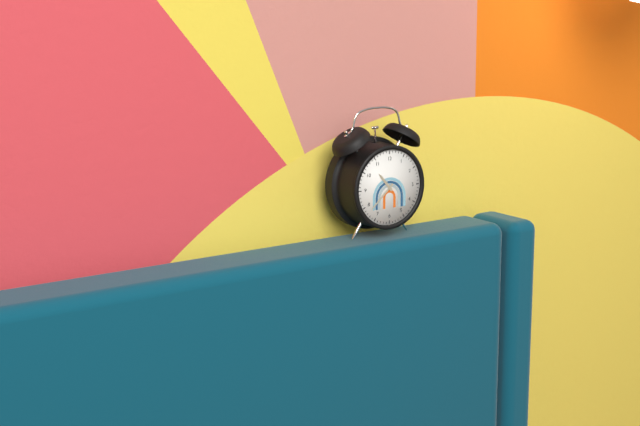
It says 10.38
